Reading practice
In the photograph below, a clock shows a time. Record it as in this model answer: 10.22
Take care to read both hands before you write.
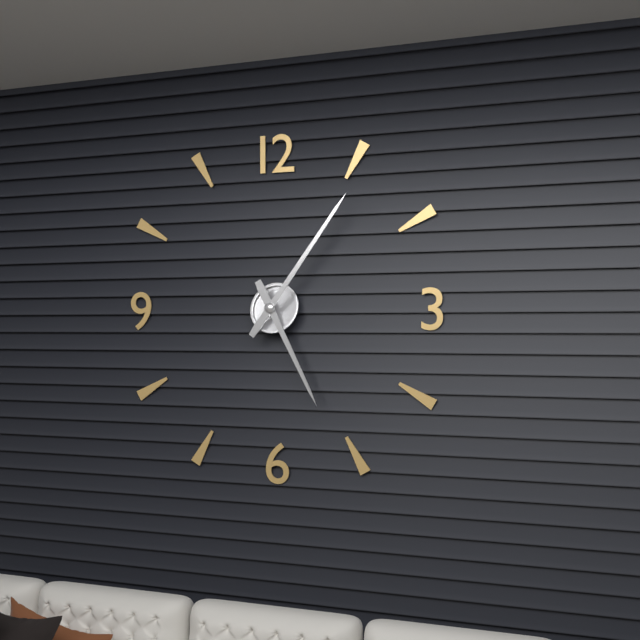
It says 5.06
